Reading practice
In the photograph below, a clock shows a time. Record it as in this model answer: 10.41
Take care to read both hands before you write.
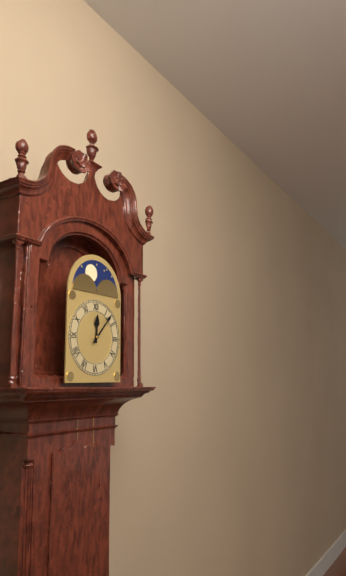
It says 12.07
